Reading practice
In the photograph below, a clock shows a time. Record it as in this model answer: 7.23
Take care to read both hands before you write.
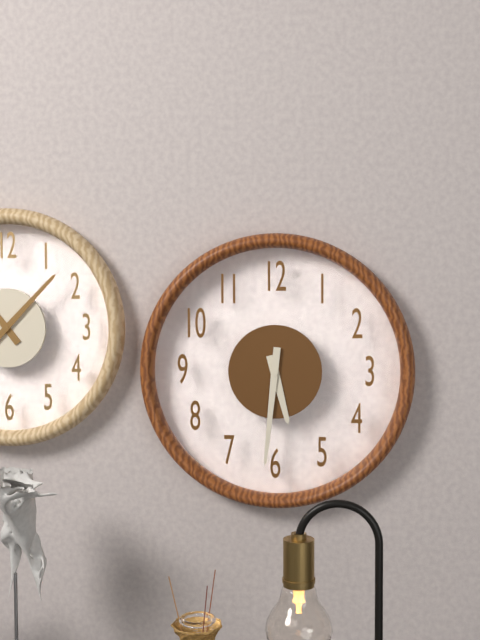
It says 5.31
